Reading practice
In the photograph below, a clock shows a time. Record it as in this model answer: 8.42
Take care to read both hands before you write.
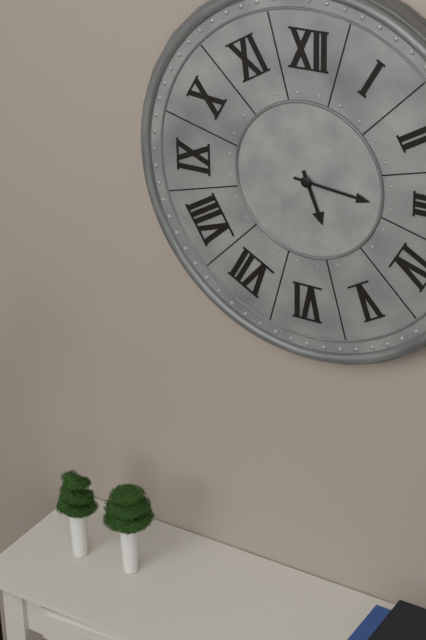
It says 5.16
